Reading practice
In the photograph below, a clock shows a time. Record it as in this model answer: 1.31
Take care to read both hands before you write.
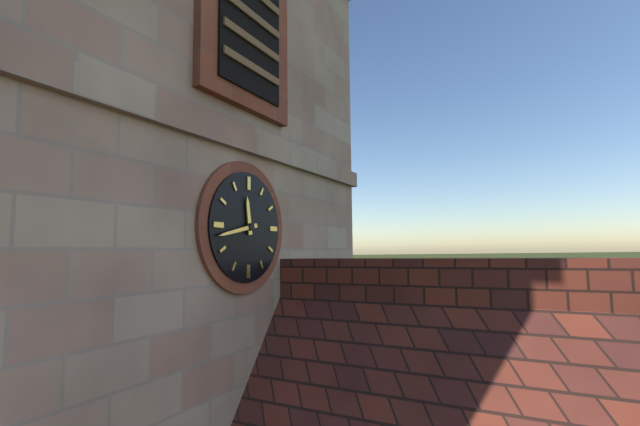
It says 11.43
